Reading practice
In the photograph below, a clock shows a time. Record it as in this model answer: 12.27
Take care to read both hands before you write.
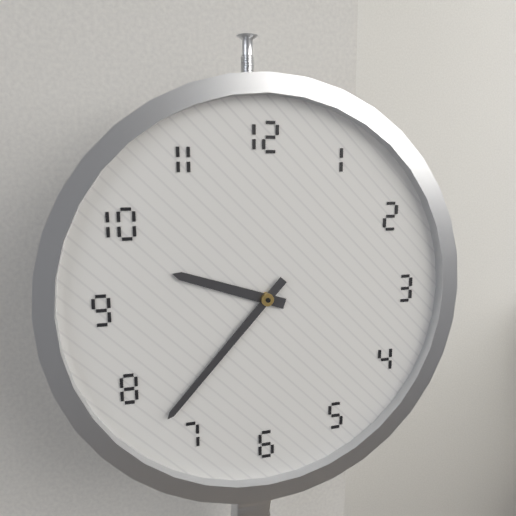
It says 9.37
